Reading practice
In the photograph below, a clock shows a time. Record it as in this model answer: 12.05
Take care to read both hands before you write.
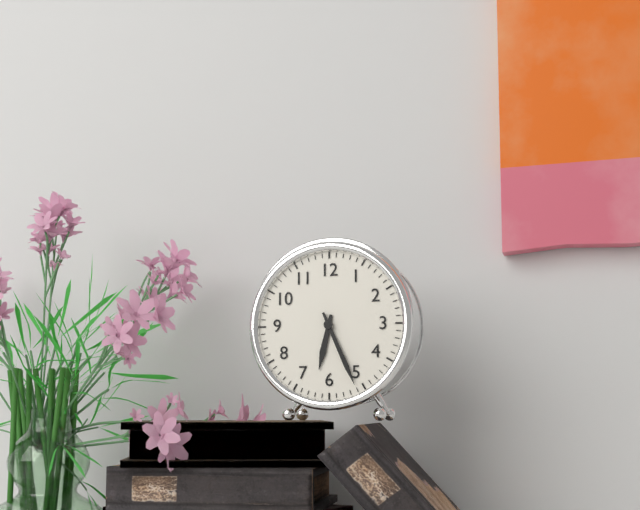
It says 6.26
